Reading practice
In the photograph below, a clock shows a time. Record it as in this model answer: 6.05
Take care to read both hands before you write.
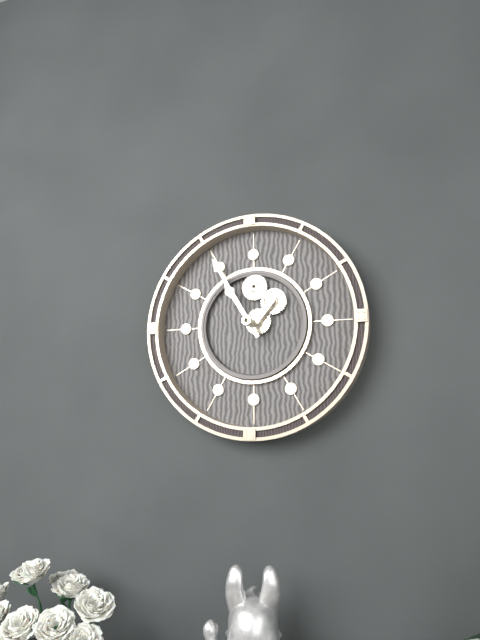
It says 10.55
